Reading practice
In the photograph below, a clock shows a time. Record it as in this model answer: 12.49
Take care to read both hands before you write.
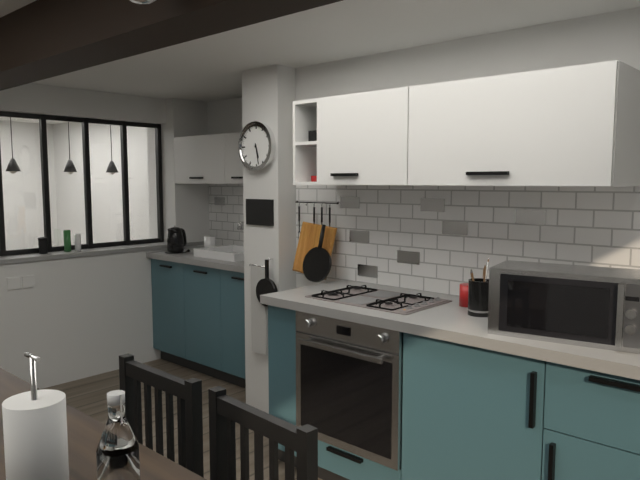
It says 5.28
